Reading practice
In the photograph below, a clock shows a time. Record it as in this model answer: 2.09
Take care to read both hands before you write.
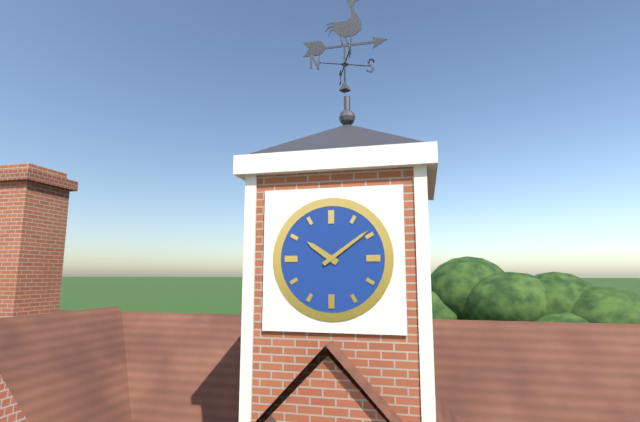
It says 10.09
